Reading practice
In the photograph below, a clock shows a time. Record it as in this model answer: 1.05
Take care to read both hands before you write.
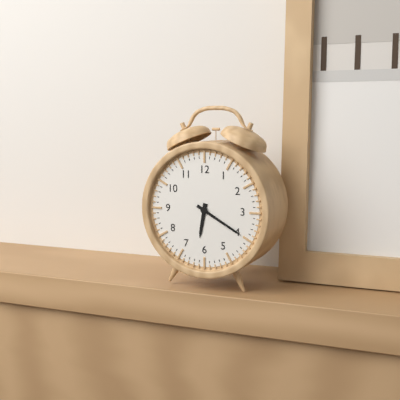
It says 6.20
